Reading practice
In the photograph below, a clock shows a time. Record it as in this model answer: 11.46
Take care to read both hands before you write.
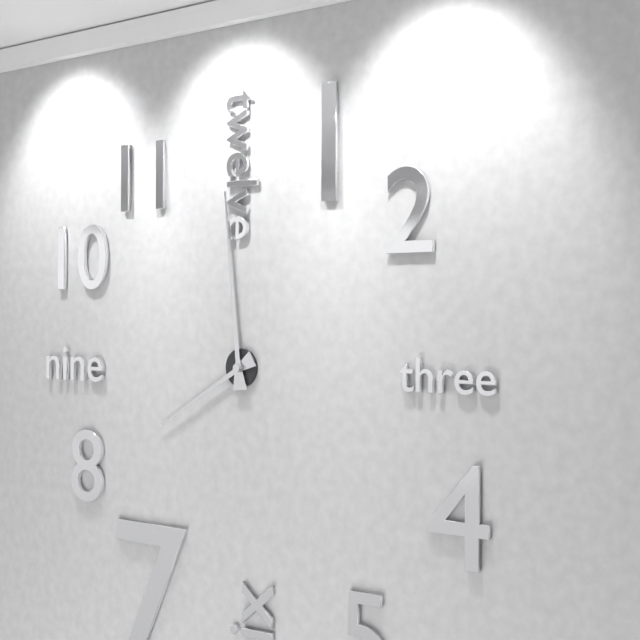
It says 7.59
